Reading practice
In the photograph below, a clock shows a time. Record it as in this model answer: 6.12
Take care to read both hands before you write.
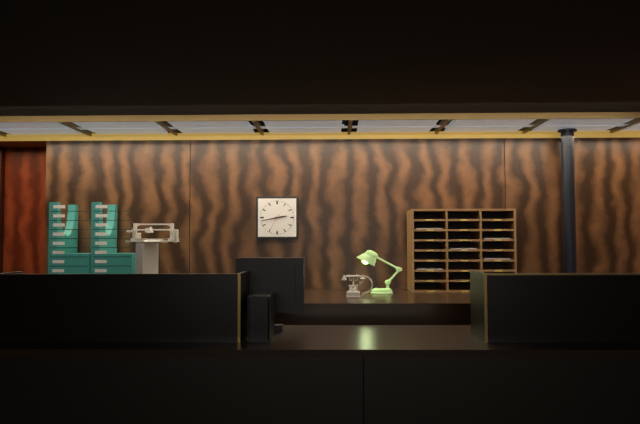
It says 2.43
